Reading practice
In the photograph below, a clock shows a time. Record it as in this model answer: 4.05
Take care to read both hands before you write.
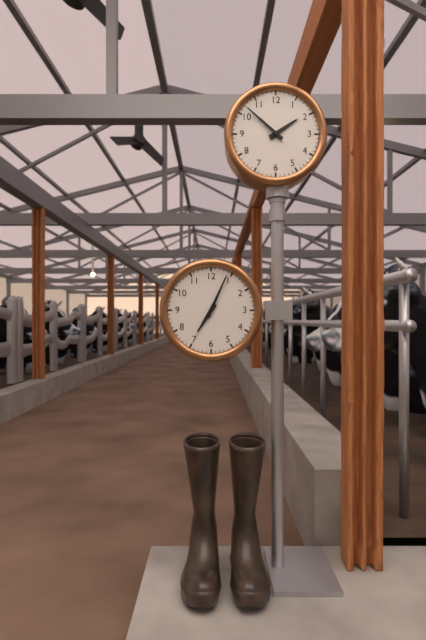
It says 1.52
